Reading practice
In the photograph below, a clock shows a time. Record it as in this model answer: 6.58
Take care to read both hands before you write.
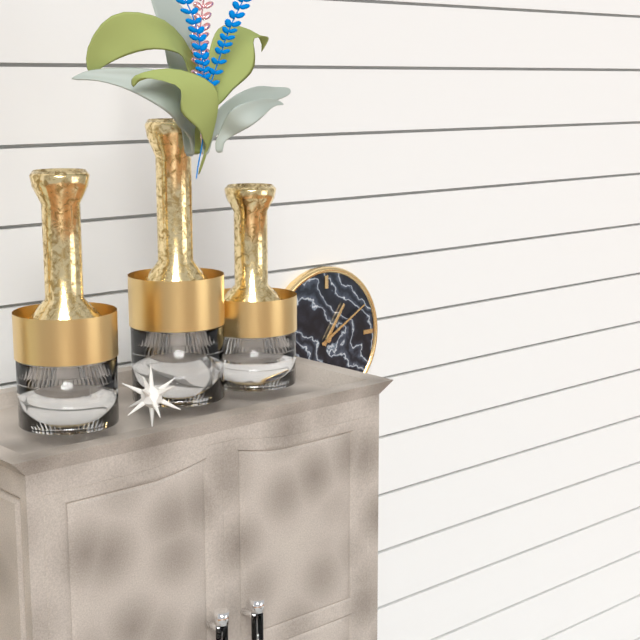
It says 1.10
